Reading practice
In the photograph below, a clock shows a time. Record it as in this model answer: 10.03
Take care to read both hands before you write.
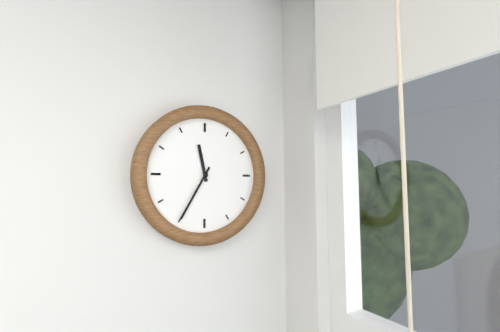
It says 11.35
